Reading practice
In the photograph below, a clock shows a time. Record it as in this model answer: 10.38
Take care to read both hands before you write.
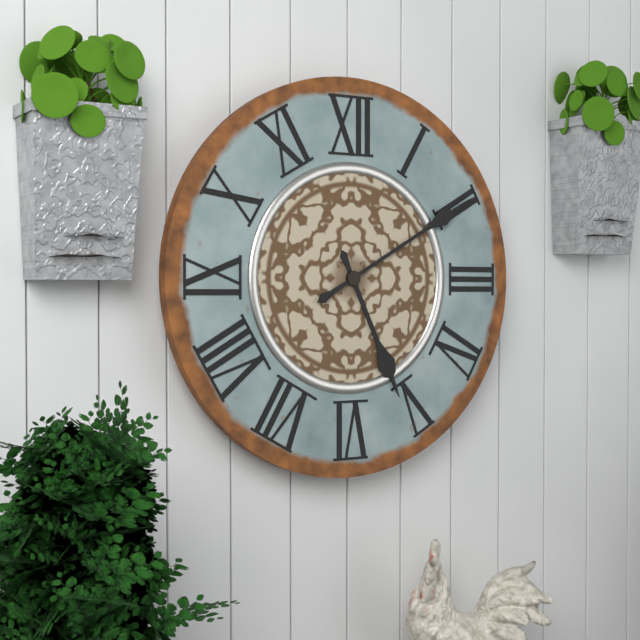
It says 5.10
